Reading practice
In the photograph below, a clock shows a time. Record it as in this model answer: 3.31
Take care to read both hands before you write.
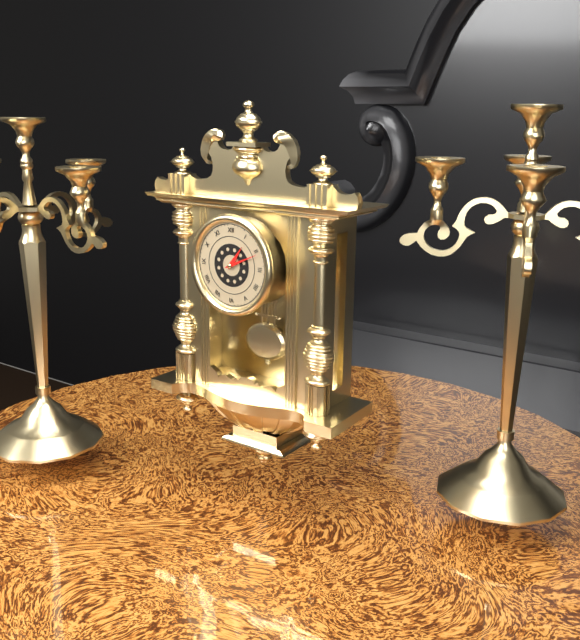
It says 1.11
